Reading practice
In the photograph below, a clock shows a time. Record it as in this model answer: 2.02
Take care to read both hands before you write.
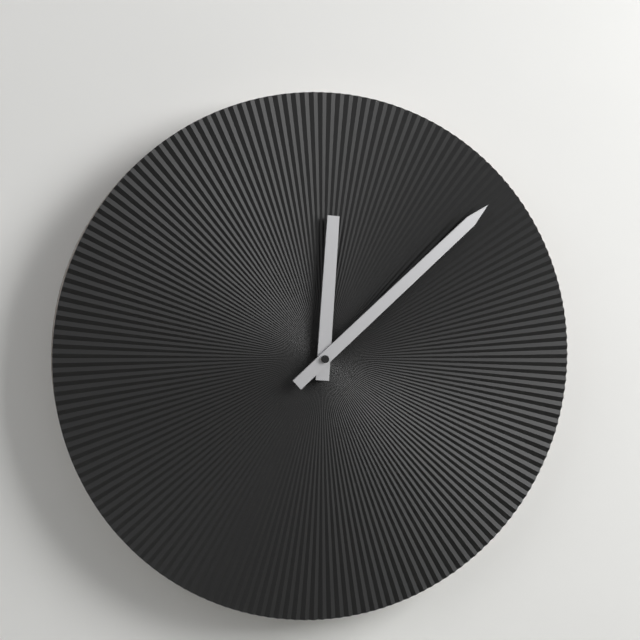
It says 12.08
